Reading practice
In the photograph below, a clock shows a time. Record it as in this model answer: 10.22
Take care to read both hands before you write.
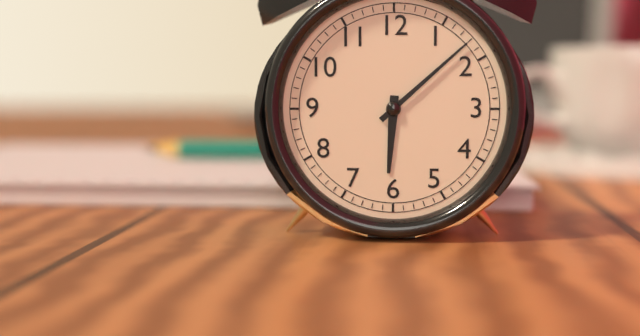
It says 6.08
